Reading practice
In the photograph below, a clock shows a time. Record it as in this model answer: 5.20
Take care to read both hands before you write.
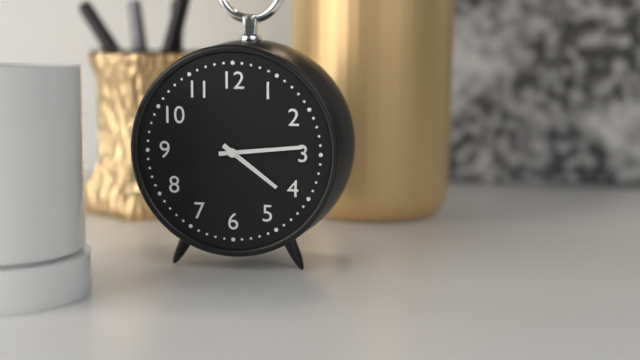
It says 4.14
